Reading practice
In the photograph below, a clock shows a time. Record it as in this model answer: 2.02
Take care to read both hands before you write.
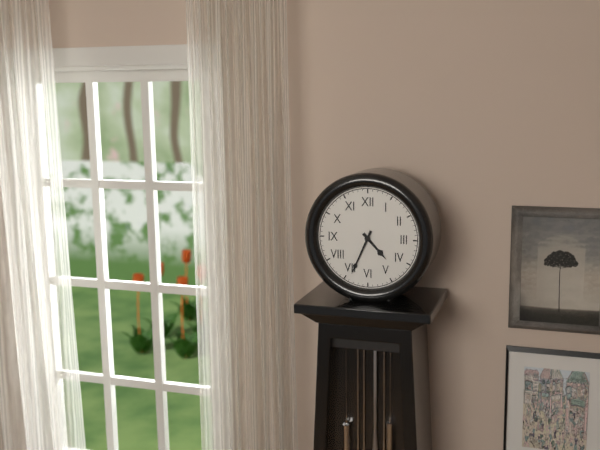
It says 4.34
